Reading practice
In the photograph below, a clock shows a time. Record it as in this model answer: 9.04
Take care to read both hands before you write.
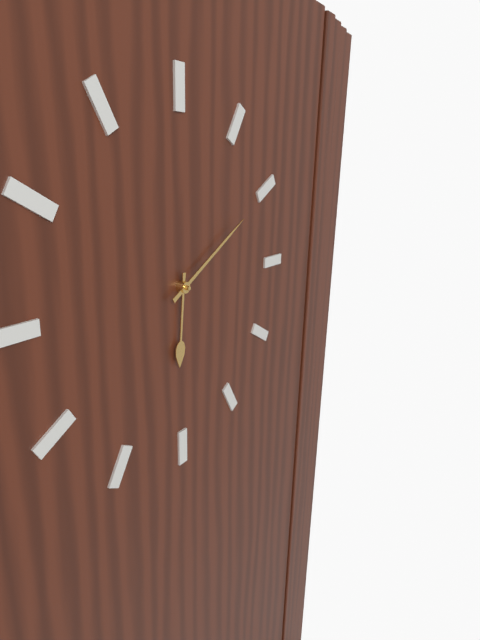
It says 6.10
